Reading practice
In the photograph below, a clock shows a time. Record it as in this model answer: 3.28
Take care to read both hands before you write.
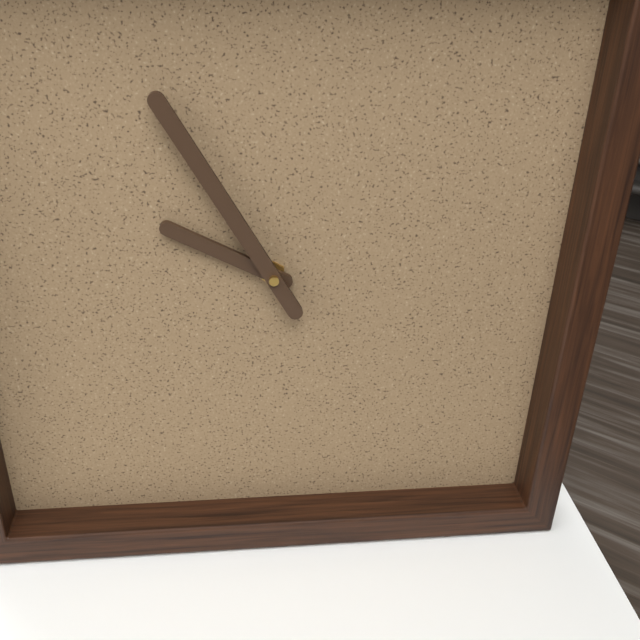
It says 9.55
